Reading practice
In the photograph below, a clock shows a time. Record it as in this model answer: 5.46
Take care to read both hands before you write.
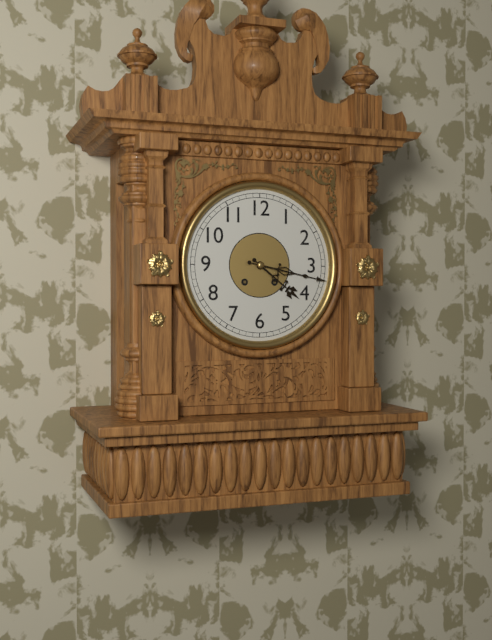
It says 4.17
